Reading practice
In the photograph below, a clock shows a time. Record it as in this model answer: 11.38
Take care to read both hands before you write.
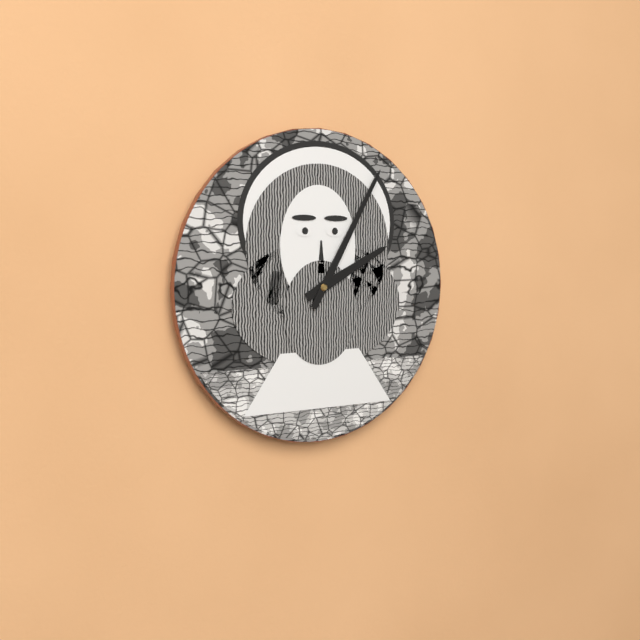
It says 2.05
